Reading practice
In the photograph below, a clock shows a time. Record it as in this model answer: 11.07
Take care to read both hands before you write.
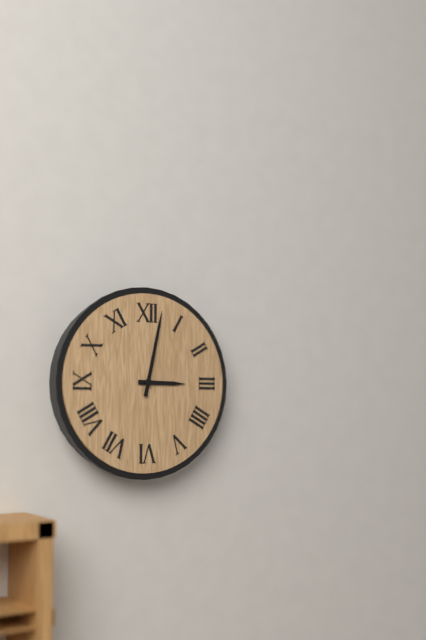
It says 3.02
